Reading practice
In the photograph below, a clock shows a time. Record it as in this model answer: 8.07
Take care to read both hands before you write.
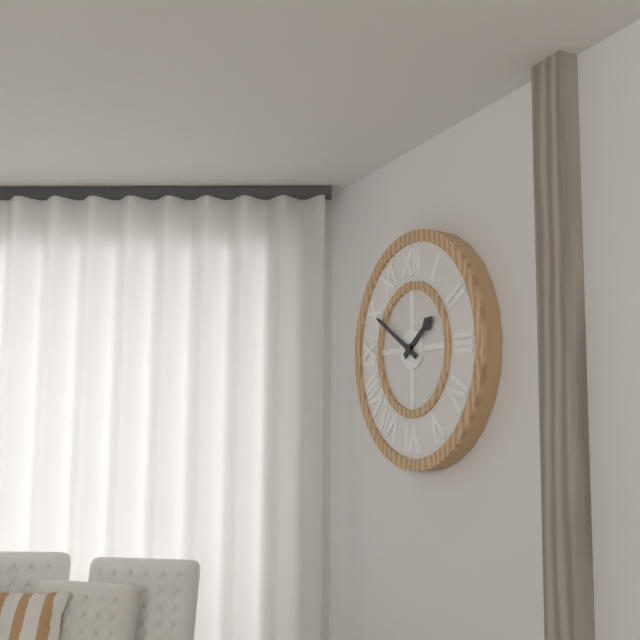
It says 1.50
